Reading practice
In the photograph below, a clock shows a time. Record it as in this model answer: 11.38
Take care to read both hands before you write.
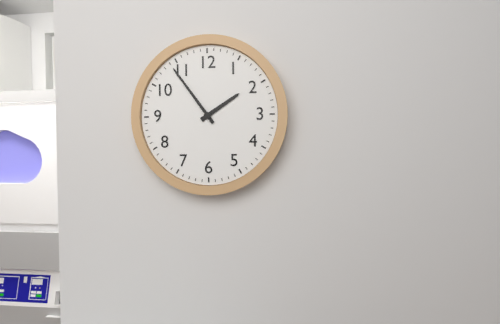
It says 1.54
